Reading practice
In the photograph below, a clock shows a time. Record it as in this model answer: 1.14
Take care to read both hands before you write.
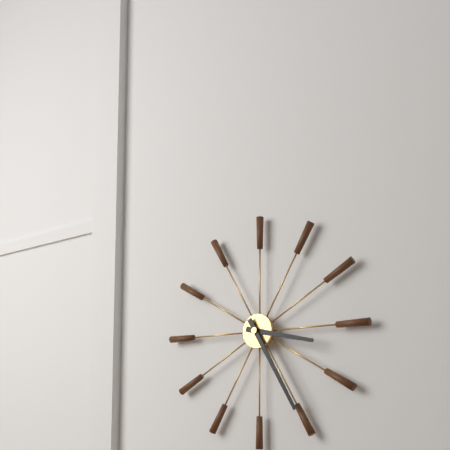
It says 3.25
